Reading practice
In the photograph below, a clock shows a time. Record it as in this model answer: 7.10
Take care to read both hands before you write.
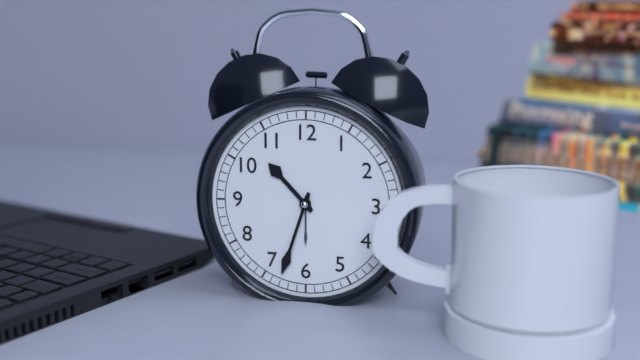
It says 10.33
